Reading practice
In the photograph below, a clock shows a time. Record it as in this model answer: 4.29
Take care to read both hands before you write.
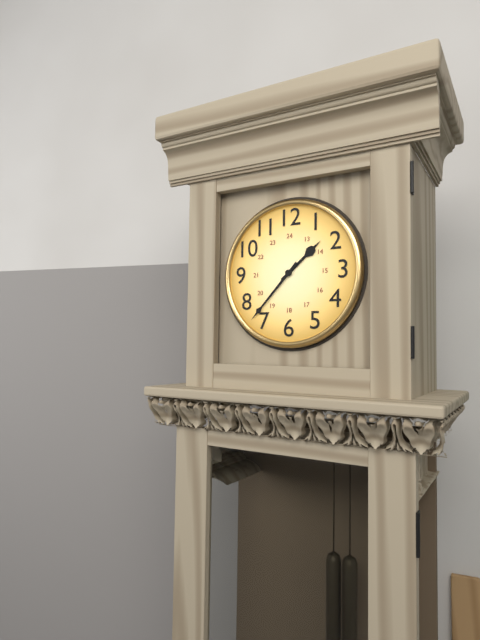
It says 1.37
